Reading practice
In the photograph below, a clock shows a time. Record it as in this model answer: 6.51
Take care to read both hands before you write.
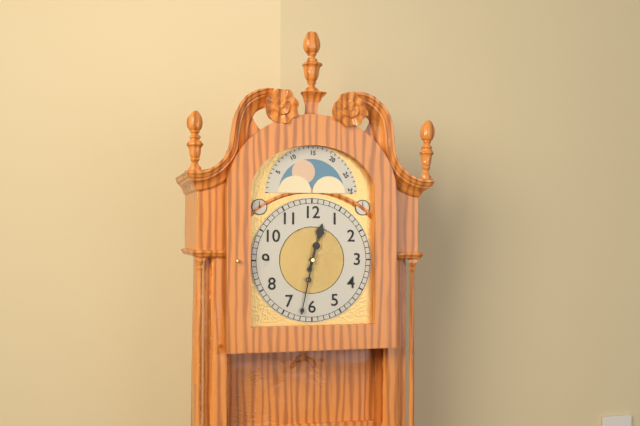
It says 12.32
